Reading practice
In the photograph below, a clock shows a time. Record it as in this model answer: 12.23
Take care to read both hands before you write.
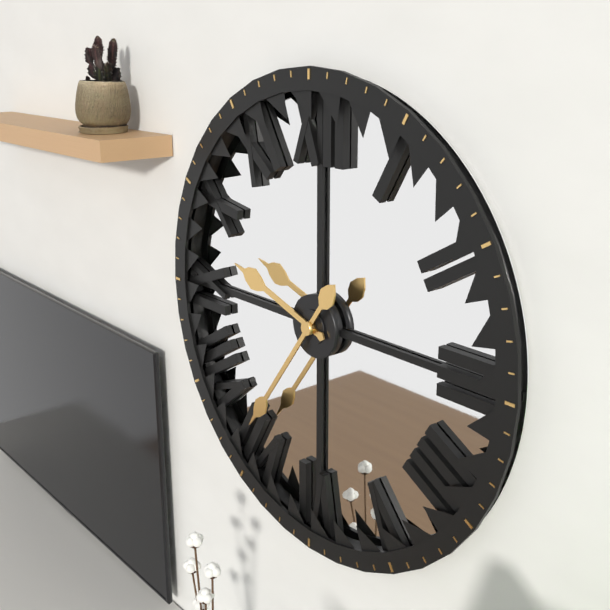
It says 9.36
